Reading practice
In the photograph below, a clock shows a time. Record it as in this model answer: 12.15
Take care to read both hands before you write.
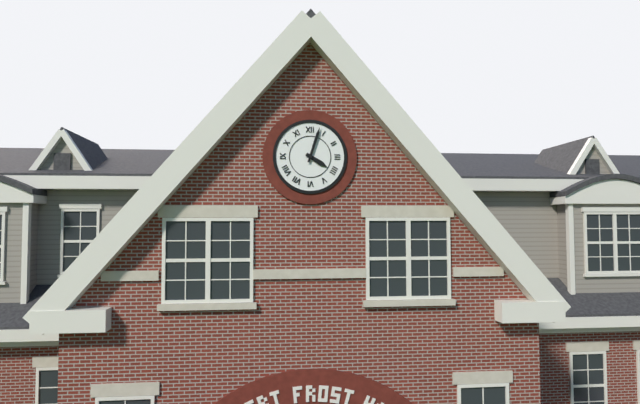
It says 4.03
